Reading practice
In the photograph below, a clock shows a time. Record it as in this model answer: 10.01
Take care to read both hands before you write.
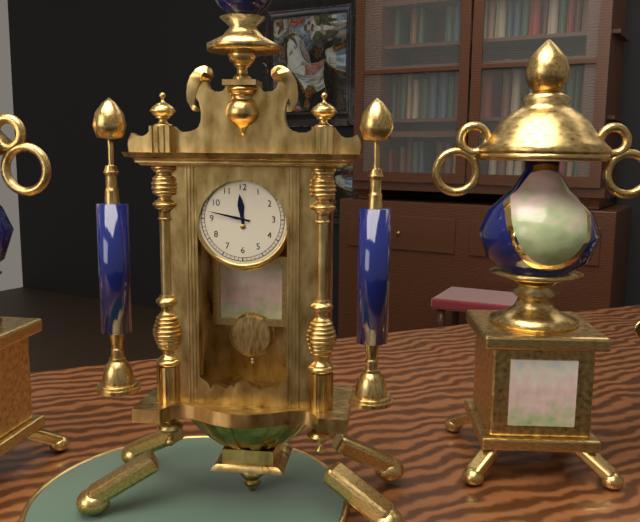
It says 11.47
